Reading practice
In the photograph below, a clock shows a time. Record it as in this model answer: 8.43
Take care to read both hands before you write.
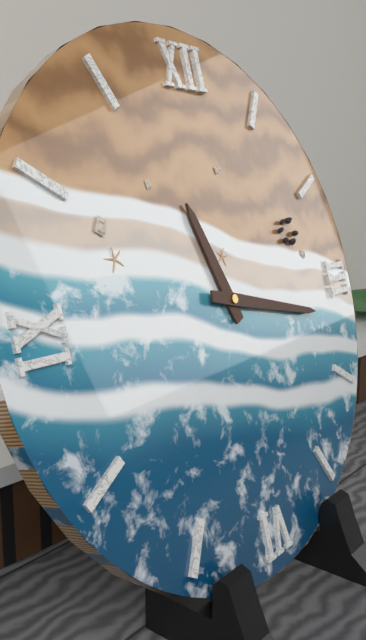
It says 11.17
